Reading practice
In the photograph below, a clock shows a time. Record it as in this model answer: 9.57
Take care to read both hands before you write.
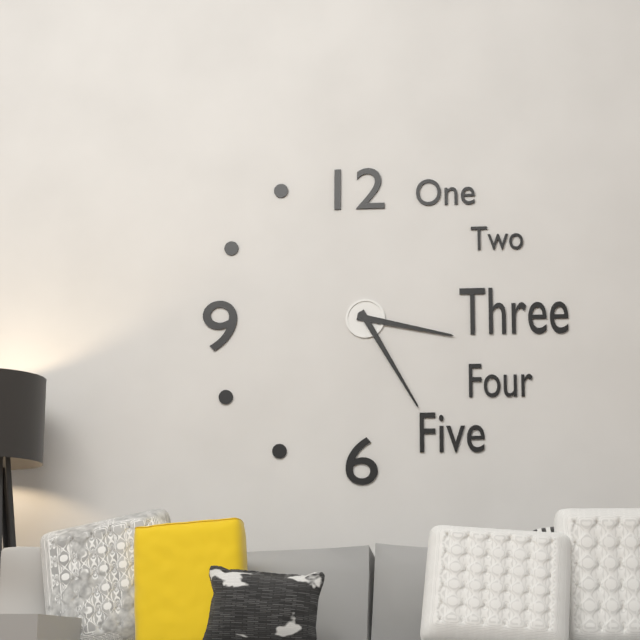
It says 3.25
